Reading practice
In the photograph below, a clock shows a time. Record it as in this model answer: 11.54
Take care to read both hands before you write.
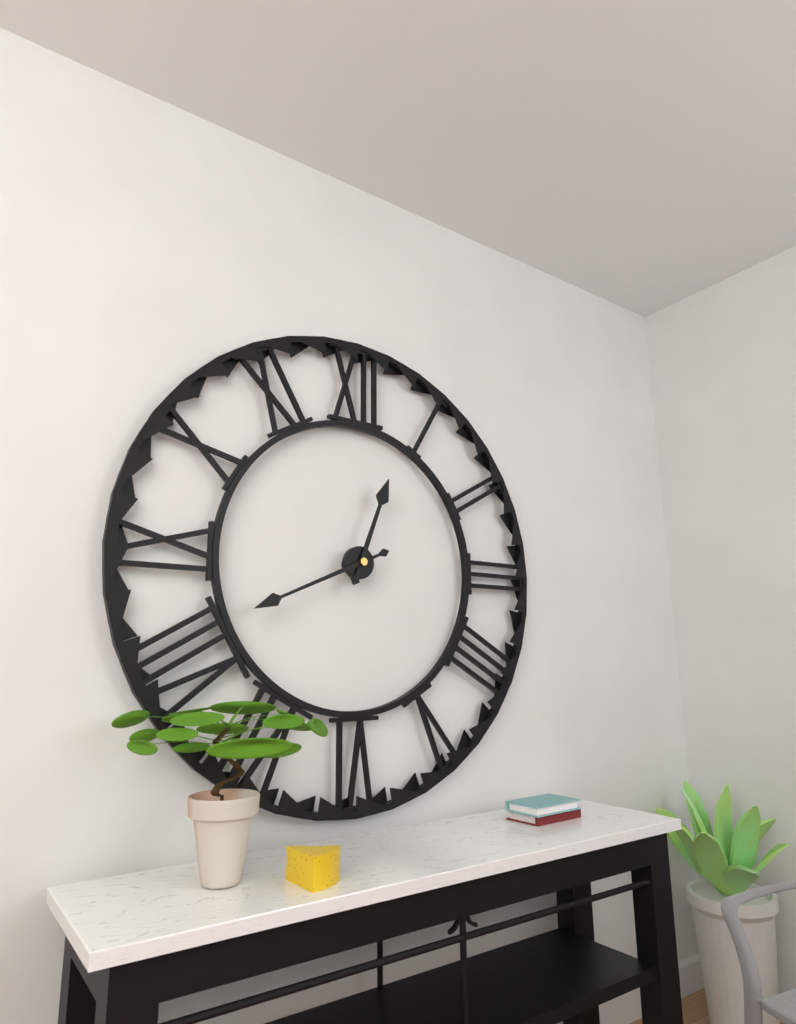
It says 12.41
